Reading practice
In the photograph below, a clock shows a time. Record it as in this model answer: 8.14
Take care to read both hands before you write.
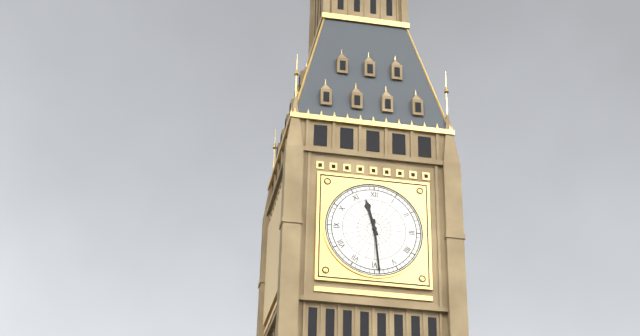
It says 11.29
